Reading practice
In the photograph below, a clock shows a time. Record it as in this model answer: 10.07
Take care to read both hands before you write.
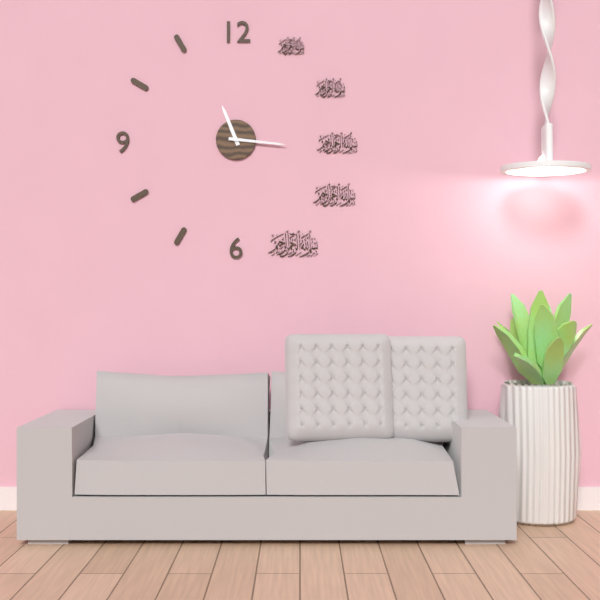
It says 11.16
